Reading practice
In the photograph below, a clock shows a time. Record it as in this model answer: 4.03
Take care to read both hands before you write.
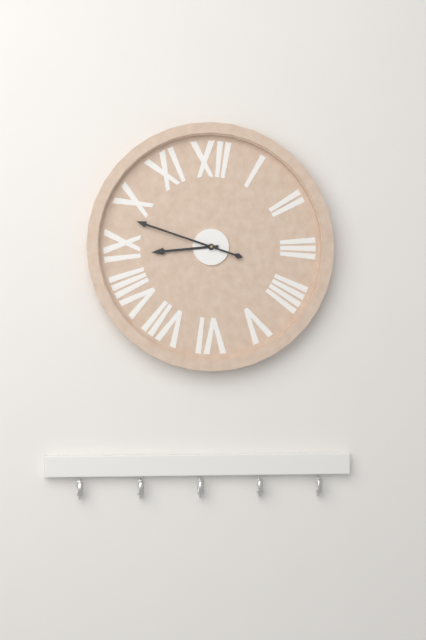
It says 8.48
